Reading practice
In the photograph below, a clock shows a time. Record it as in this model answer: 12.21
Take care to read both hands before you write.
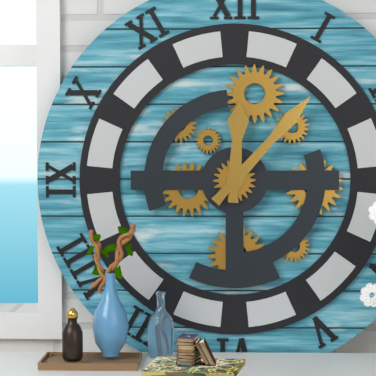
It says 12.07
